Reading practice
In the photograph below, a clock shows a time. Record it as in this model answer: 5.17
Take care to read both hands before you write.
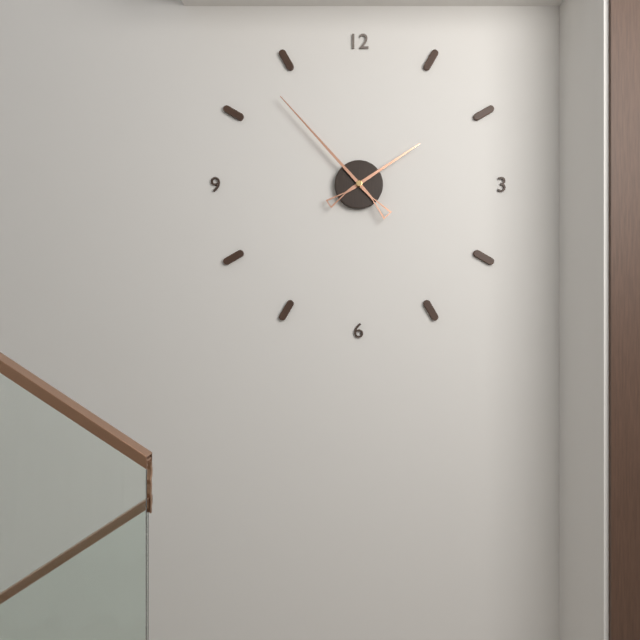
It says 1.53
